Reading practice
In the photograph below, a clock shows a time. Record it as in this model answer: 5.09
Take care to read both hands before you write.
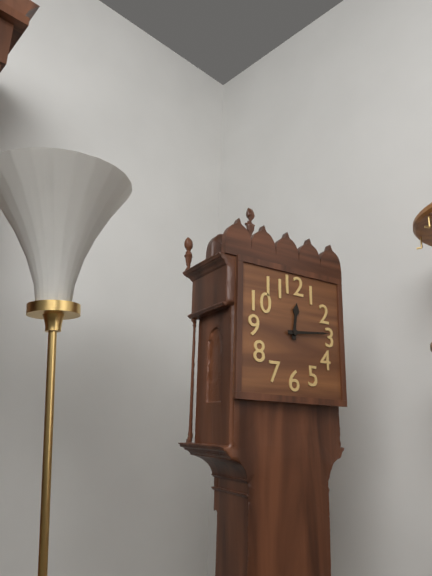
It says 12.14
